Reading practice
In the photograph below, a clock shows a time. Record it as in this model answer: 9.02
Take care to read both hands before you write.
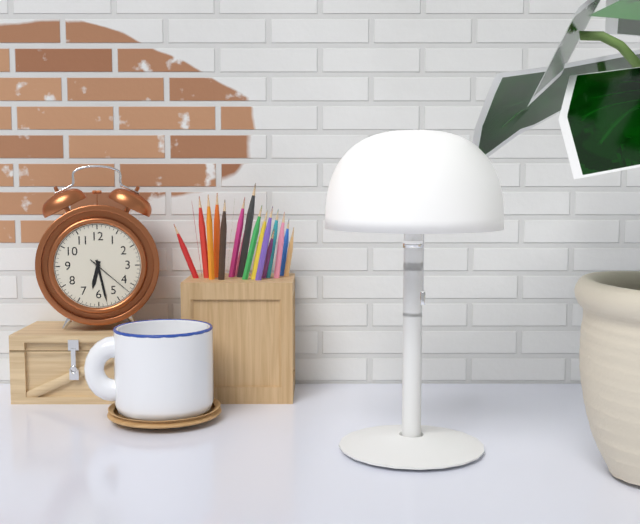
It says 6.28
